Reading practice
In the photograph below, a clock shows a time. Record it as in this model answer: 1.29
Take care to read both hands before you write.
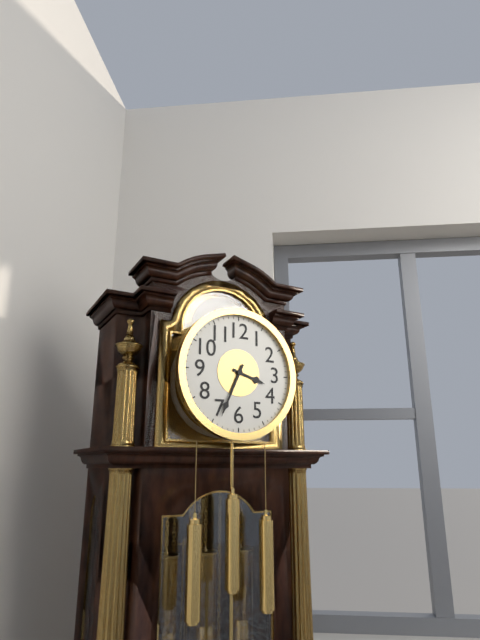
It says 3.34
